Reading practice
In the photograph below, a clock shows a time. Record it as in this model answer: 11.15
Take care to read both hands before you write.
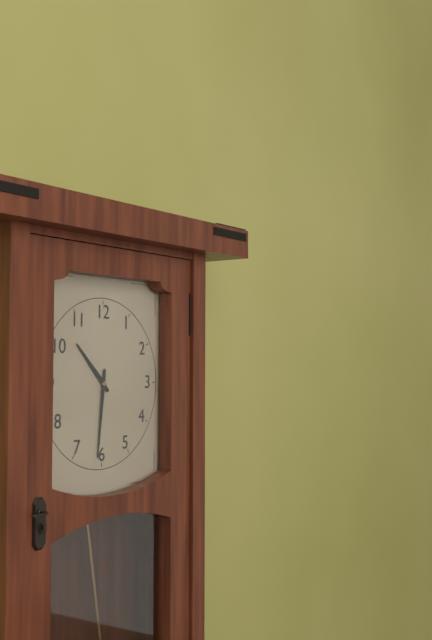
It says 10.31
